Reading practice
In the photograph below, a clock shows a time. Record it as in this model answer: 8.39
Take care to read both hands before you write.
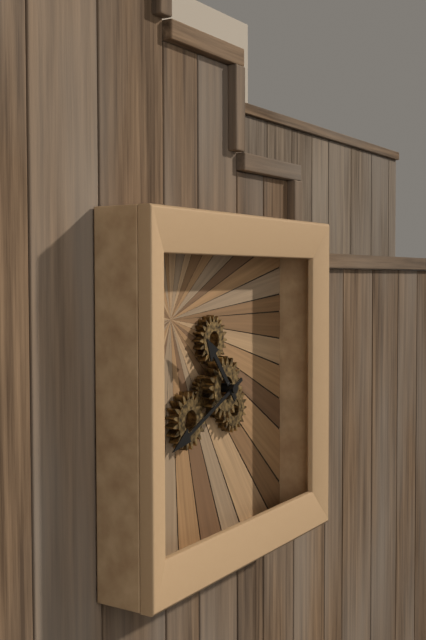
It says 10.41
